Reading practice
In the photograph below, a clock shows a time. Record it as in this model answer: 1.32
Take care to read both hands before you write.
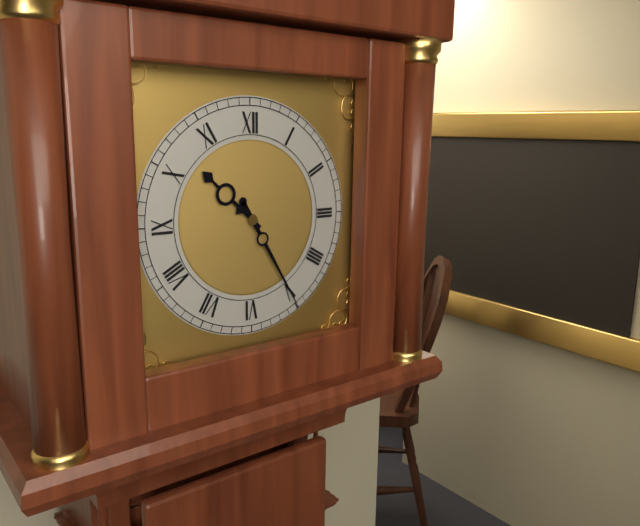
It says 10.25
